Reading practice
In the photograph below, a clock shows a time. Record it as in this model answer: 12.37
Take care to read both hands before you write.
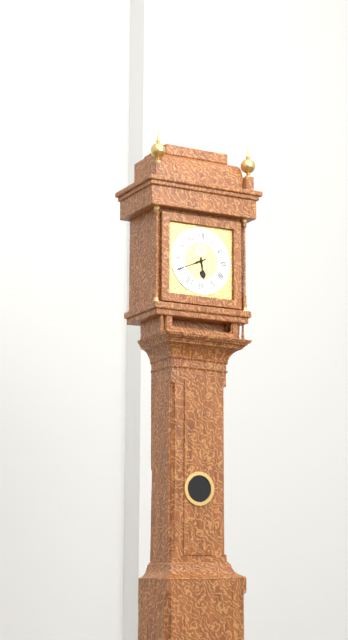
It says 5.41
